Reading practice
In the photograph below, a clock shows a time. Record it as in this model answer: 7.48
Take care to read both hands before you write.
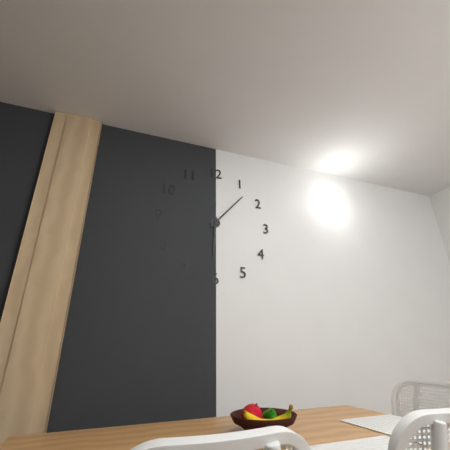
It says 6.07
